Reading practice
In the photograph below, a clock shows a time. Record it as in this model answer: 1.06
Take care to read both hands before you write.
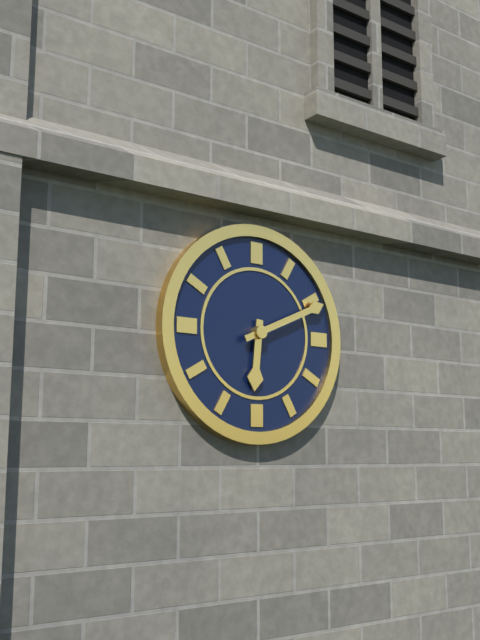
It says 6.11
